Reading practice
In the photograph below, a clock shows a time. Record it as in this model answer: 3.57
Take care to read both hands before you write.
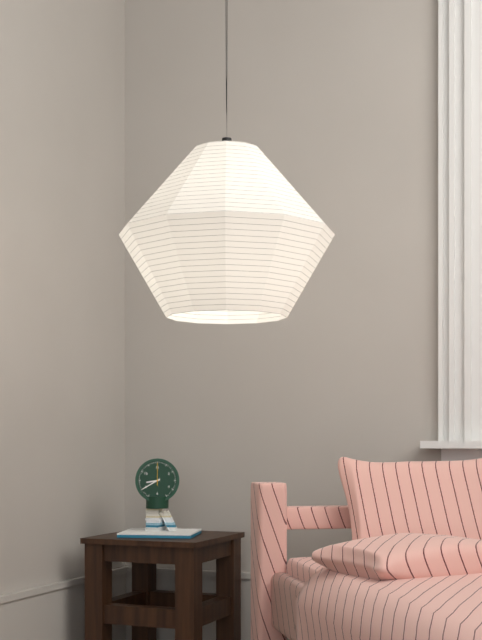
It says 8.40
